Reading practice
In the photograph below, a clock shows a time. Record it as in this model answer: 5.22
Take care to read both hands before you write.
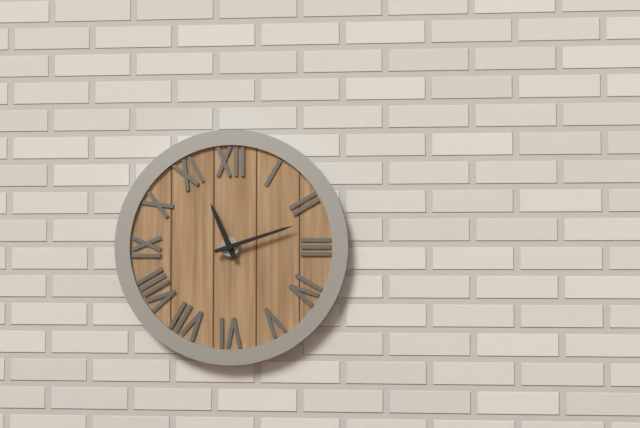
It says 11.12
